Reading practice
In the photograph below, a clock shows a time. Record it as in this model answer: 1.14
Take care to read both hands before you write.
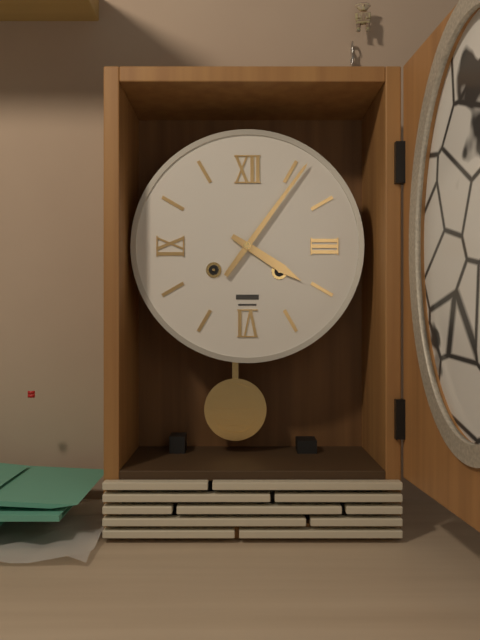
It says 4.06
